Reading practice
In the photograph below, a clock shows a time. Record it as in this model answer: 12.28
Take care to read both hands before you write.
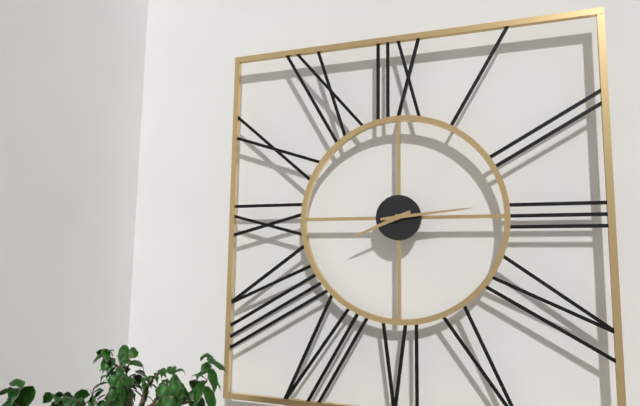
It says 8.14
